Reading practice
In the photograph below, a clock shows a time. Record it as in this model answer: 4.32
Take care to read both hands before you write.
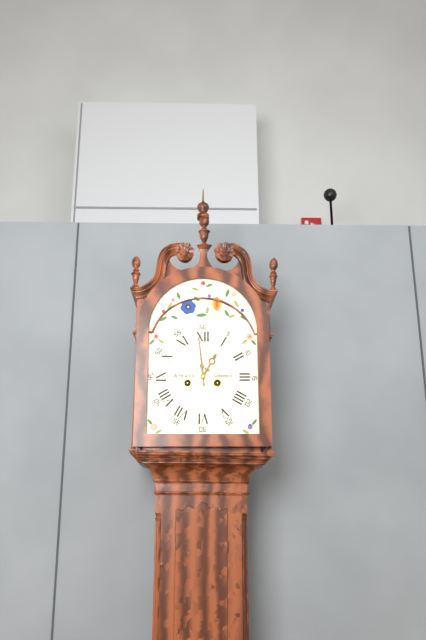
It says 12.59
